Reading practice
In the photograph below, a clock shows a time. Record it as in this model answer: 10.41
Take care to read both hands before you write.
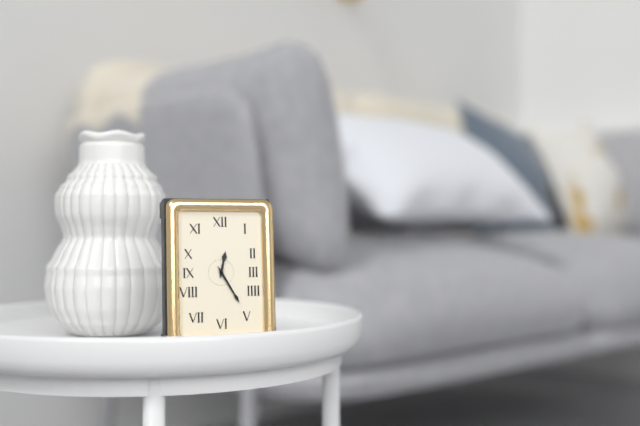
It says 12.25
